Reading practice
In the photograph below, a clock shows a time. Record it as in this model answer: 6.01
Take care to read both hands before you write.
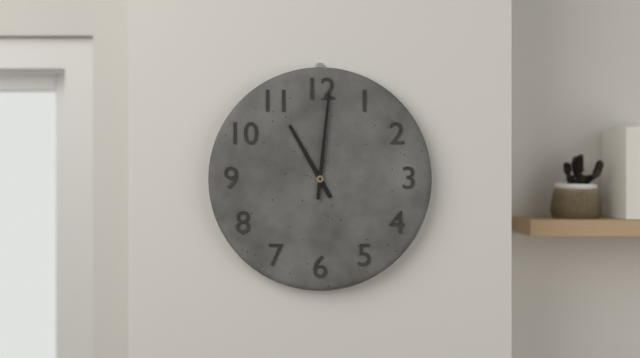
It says 11.01
